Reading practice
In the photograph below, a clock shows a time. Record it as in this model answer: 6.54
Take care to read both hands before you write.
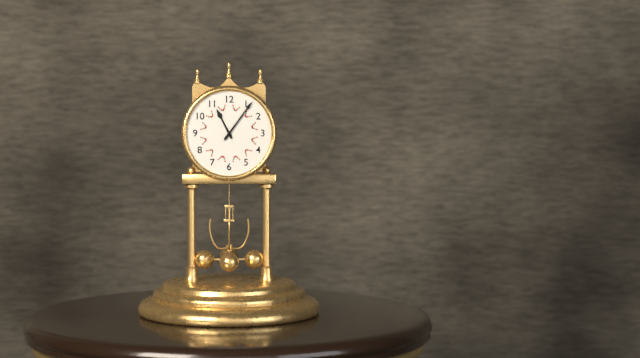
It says 11.06
